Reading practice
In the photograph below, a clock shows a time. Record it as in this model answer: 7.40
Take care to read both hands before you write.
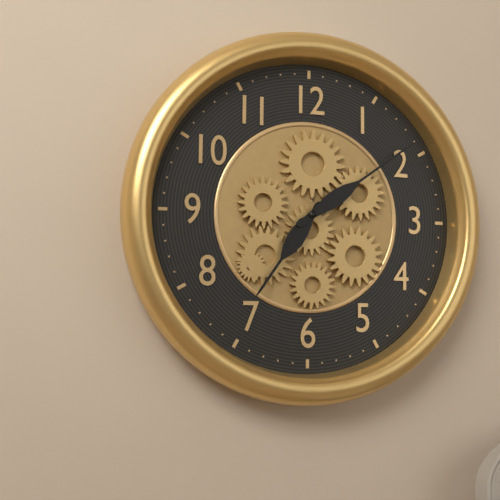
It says 7.09
